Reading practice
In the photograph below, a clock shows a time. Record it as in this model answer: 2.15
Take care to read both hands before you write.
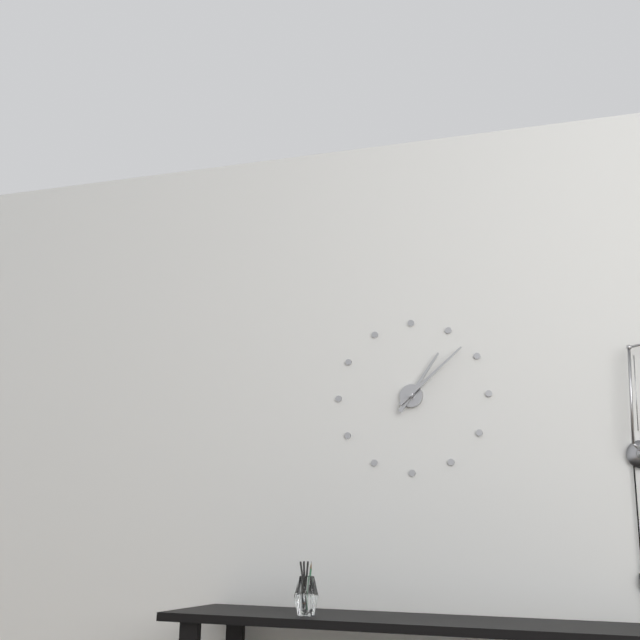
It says 1.08
